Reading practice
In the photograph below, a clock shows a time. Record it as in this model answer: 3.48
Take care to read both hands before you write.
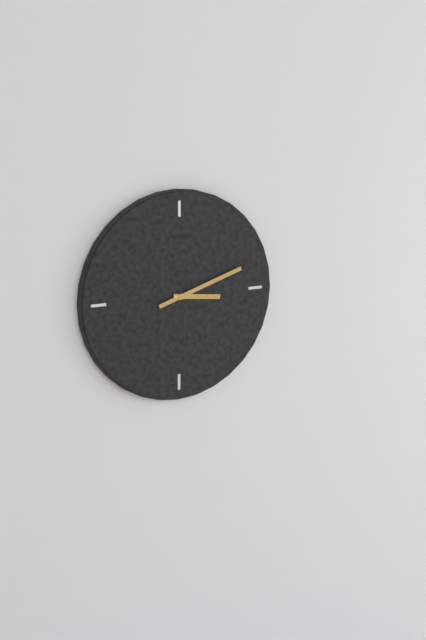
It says 3.12
